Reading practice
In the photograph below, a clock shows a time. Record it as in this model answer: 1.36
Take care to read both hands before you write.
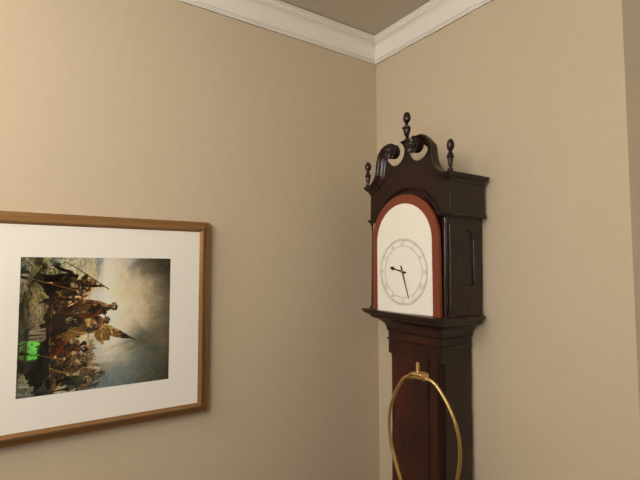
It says 9.27
